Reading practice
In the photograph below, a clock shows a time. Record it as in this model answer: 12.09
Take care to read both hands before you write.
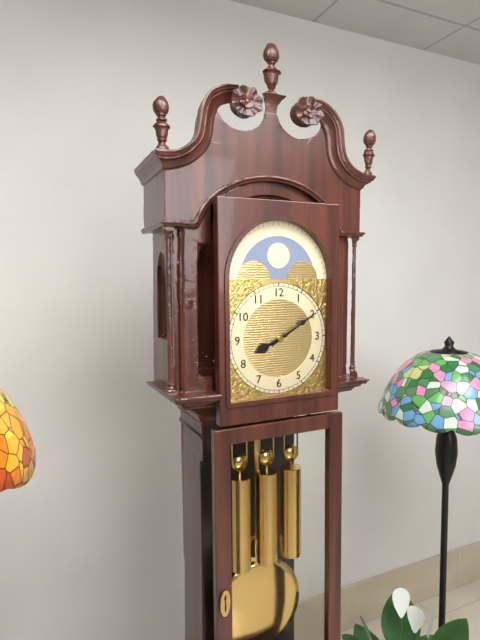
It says 8.10
